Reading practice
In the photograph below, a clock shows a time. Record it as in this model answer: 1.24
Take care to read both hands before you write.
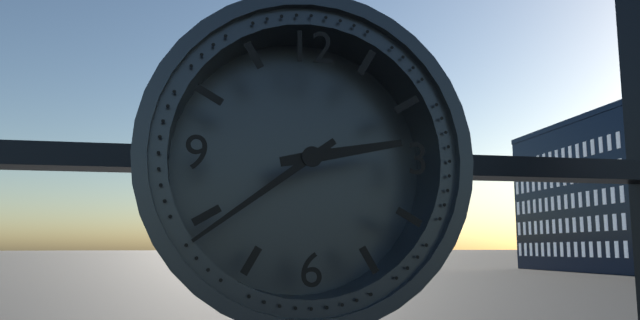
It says 2.39
